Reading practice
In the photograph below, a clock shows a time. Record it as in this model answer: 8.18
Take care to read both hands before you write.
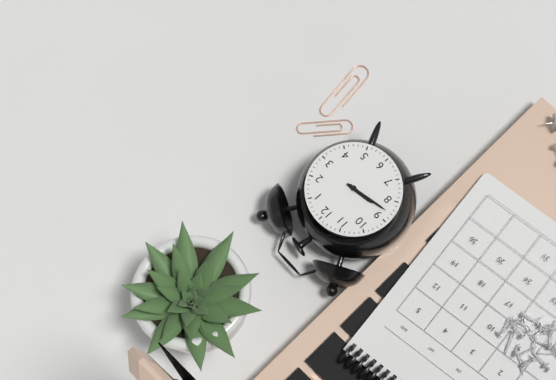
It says 8.43
